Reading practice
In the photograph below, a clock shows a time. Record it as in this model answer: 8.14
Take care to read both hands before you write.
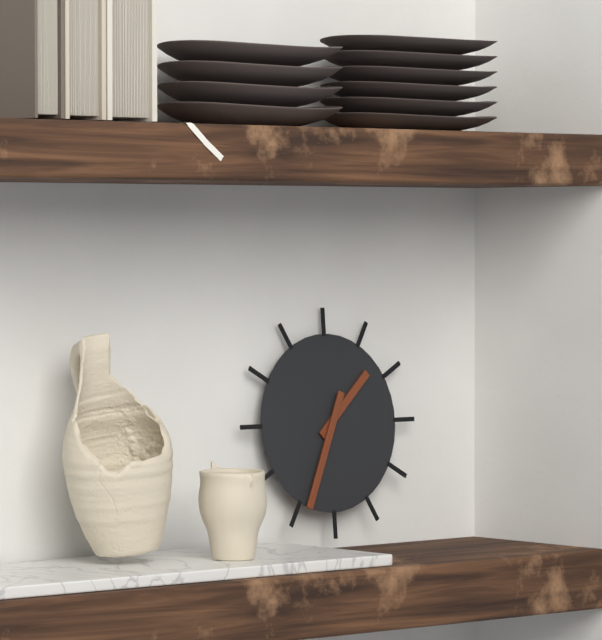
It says 1.34
